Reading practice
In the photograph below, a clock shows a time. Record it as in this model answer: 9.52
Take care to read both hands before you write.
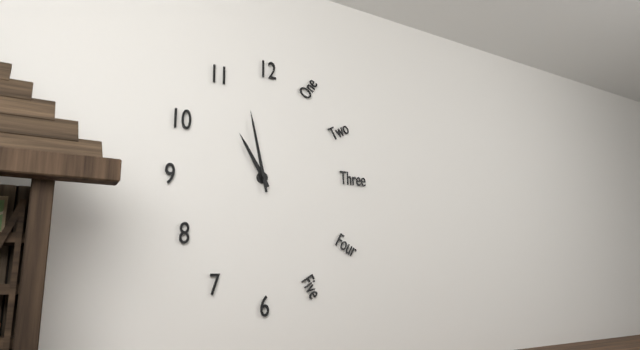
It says 10.58
